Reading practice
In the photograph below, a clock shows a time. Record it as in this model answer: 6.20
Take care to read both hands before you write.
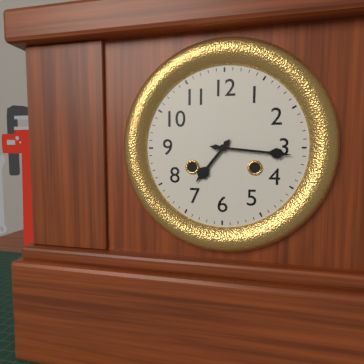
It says 7.16
